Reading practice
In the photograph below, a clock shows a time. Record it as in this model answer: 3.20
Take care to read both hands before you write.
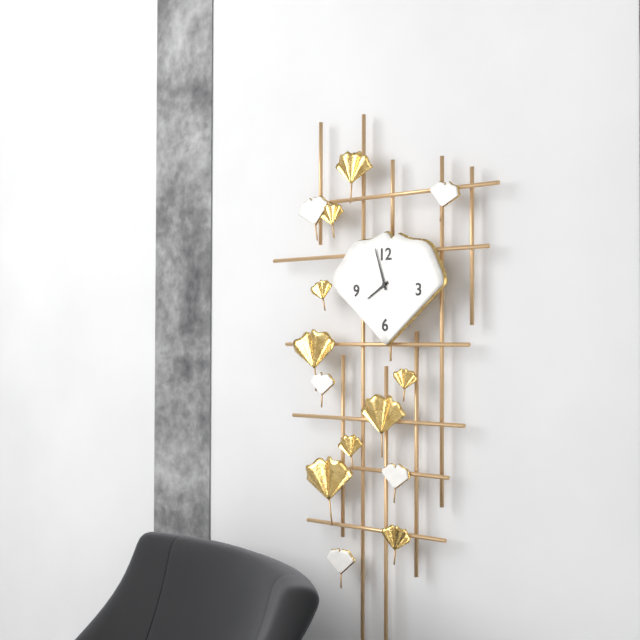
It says 7.57
